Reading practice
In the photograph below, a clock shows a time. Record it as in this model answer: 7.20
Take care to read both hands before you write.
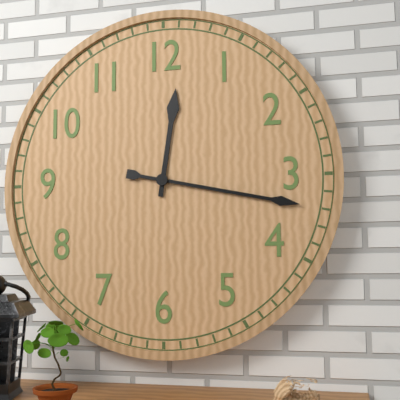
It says 12.17
